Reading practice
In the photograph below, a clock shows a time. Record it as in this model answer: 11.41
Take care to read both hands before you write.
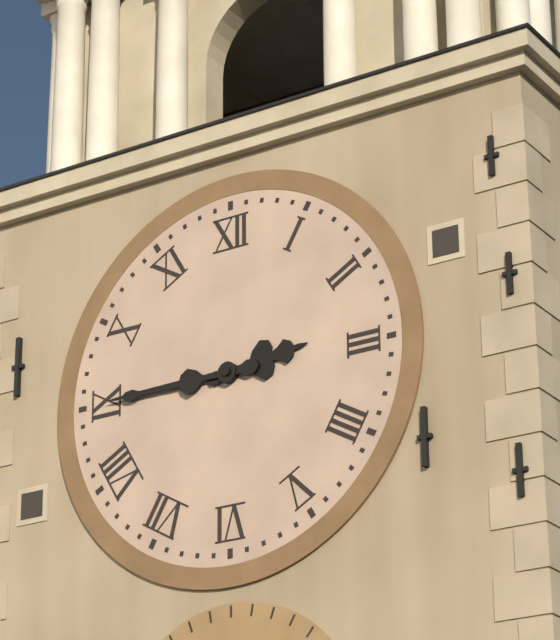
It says 2.45
